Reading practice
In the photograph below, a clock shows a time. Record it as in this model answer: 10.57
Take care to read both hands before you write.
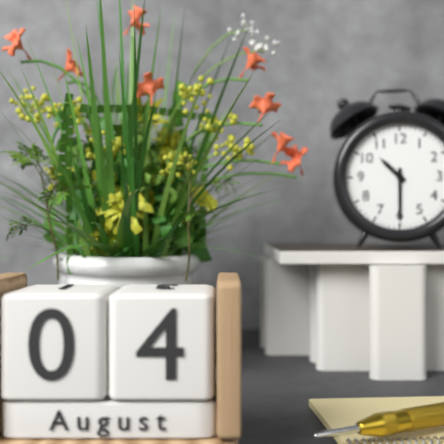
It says 10.30
